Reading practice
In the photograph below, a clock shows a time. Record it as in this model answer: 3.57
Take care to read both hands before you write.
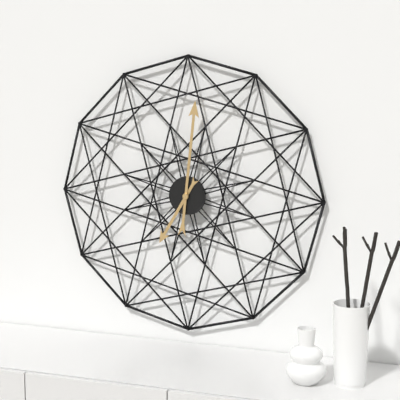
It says 7.01
